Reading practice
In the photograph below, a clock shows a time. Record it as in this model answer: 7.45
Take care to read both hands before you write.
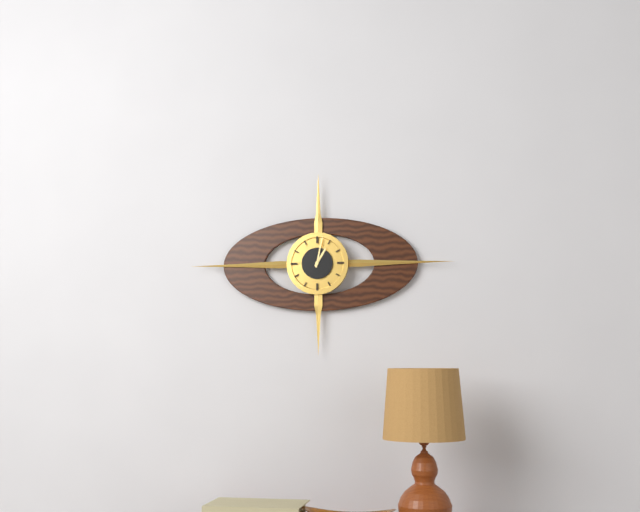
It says 1.02
